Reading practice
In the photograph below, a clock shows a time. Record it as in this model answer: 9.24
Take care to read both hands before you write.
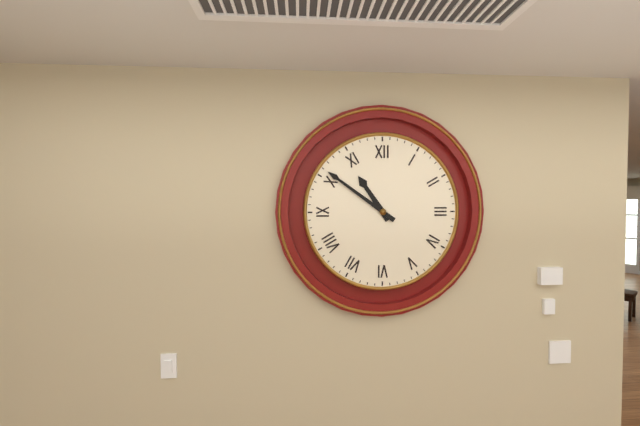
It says 10.51
